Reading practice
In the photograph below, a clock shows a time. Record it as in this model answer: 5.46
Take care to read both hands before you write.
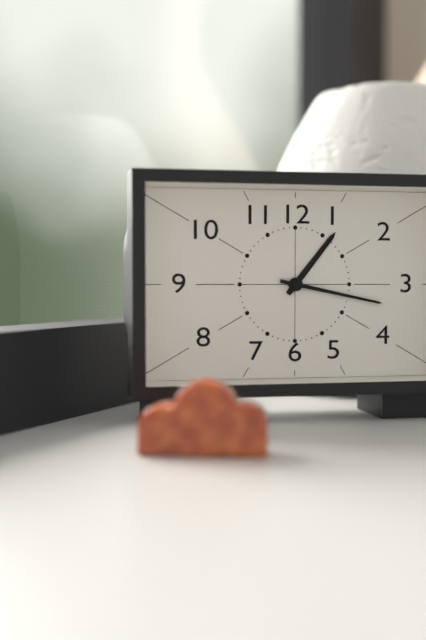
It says 1.17
